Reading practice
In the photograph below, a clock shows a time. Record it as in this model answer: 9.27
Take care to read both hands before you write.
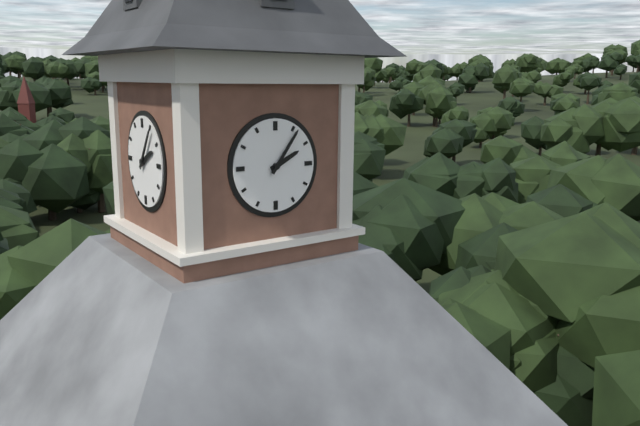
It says 2.06
